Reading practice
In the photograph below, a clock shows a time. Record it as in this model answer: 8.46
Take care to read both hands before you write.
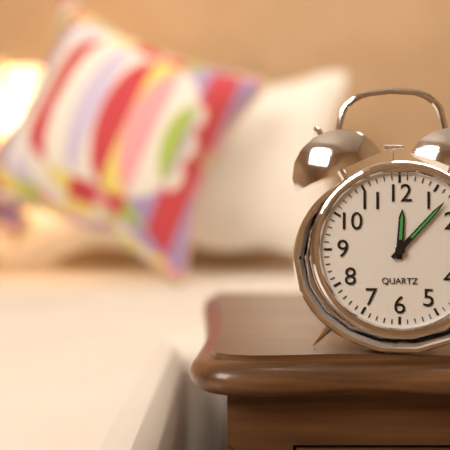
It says 12.07
